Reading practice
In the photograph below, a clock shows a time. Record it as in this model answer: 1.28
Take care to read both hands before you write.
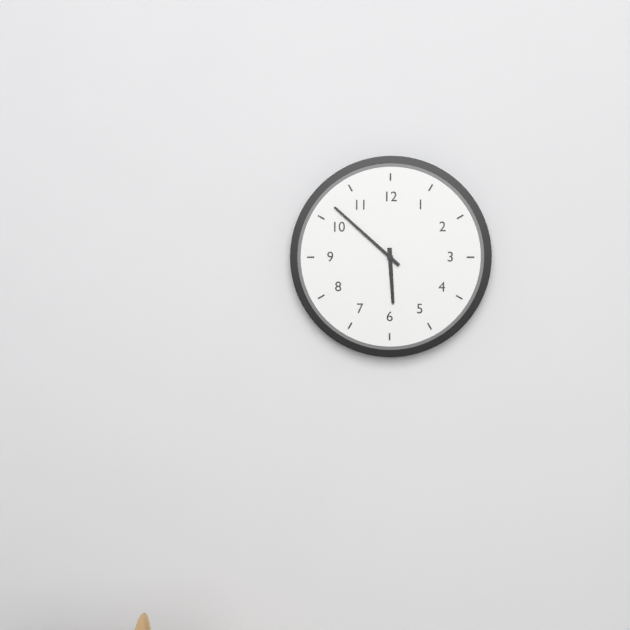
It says 5.52
